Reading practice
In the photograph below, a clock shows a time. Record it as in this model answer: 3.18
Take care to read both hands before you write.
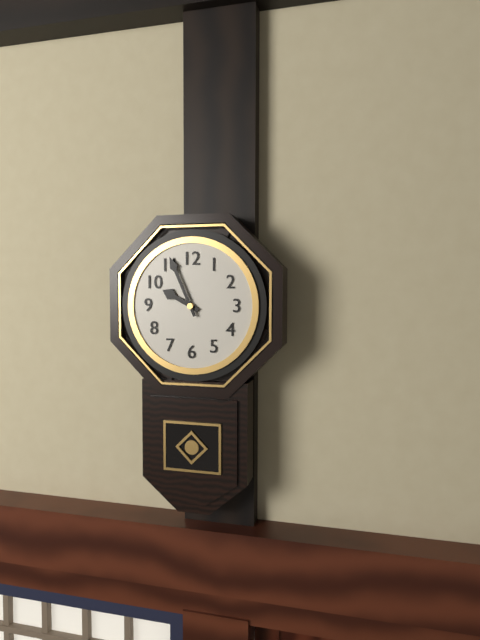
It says 9.56
